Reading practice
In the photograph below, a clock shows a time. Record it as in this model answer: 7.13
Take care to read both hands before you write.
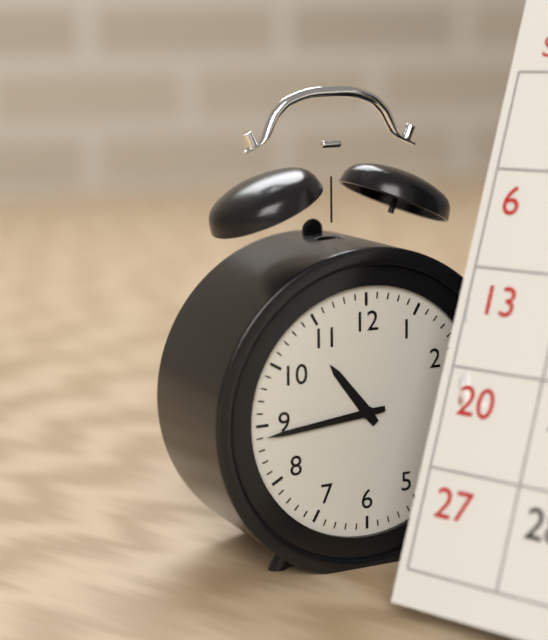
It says 10.44
